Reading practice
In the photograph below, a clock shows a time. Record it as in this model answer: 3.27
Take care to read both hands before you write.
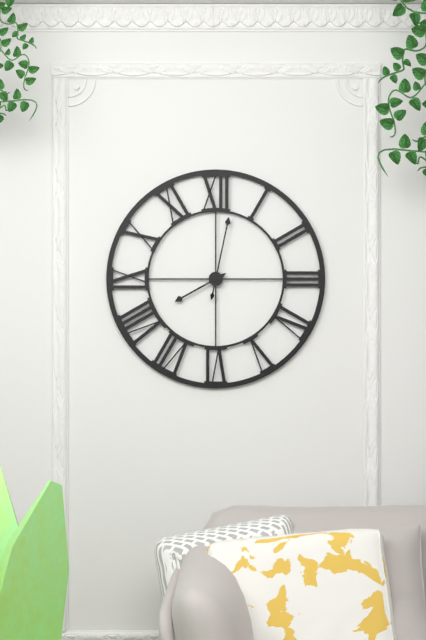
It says 8.02
